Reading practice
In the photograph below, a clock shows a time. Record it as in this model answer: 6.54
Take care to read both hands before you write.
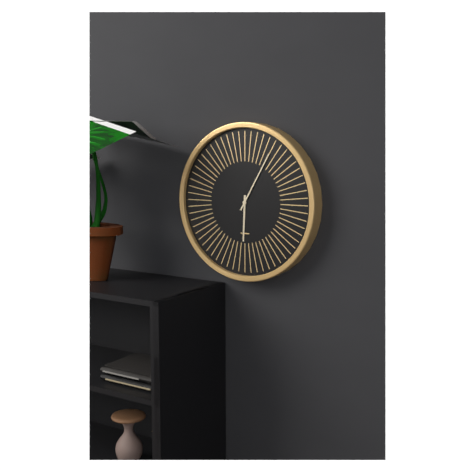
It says 6.05
